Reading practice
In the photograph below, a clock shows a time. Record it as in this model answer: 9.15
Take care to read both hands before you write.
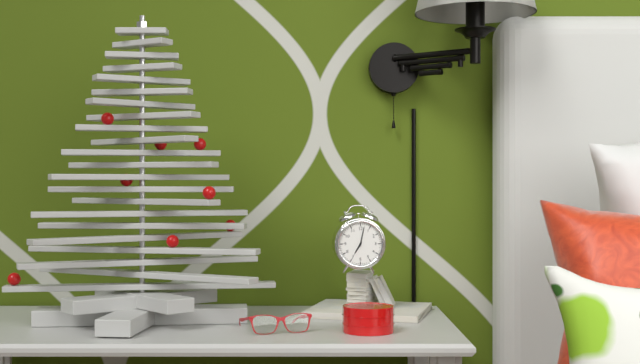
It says 7.02
